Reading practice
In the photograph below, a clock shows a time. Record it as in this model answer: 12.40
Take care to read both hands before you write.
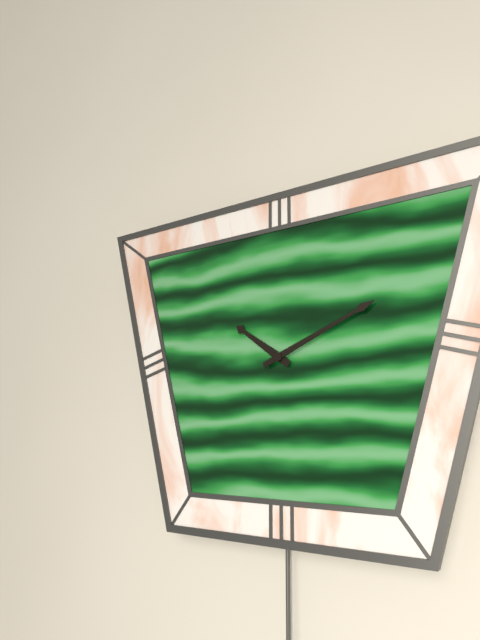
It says 10.11
